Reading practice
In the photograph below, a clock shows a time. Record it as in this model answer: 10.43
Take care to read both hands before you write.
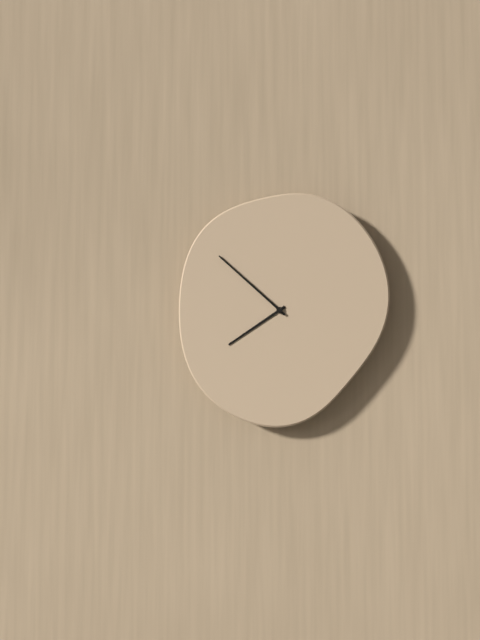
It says 7.52
